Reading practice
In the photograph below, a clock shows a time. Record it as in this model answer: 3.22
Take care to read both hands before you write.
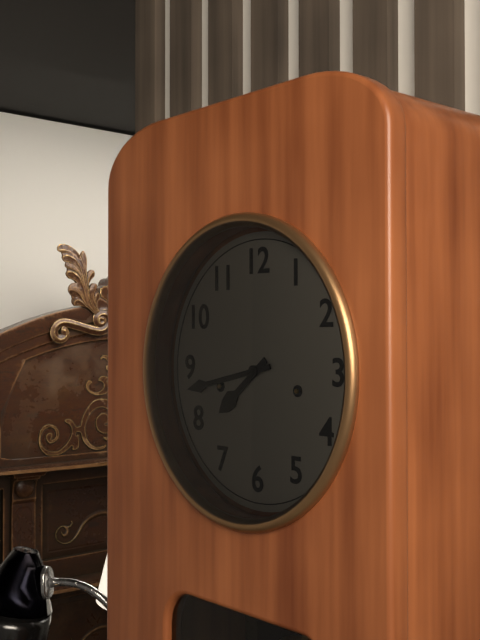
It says 7.43
